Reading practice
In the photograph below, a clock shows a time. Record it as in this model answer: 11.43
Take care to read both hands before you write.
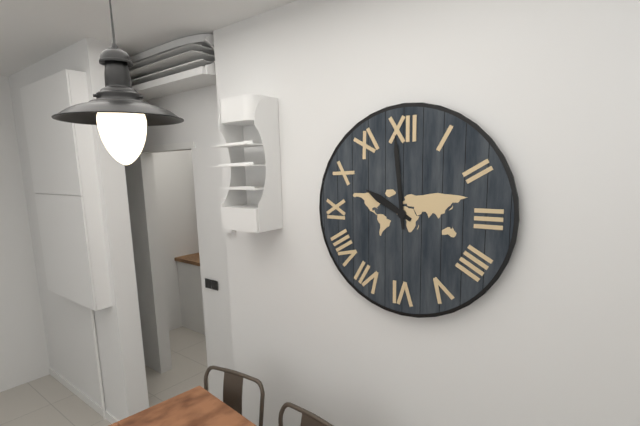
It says 9.59
